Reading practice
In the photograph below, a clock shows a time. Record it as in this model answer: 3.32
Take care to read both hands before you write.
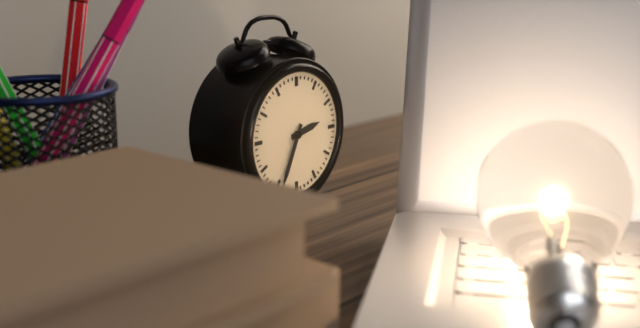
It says 2.34
